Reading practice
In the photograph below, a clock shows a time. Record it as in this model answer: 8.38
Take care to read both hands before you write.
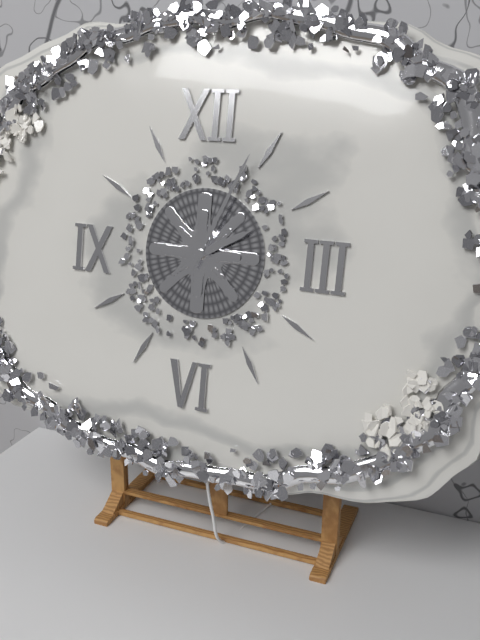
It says 2.04
